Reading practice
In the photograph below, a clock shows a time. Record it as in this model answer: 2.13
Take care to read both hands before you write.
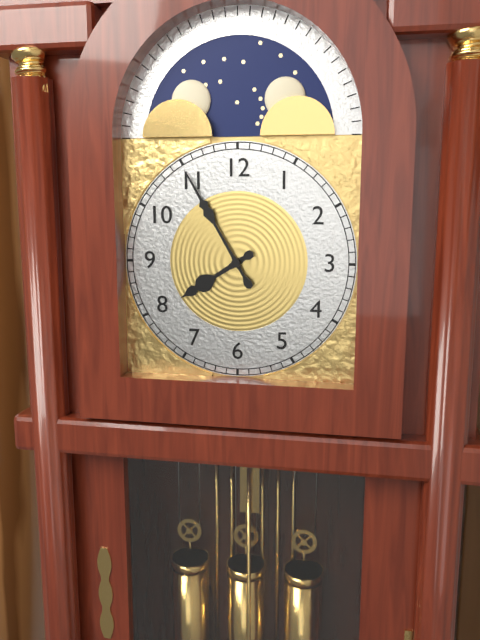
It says 7.55
